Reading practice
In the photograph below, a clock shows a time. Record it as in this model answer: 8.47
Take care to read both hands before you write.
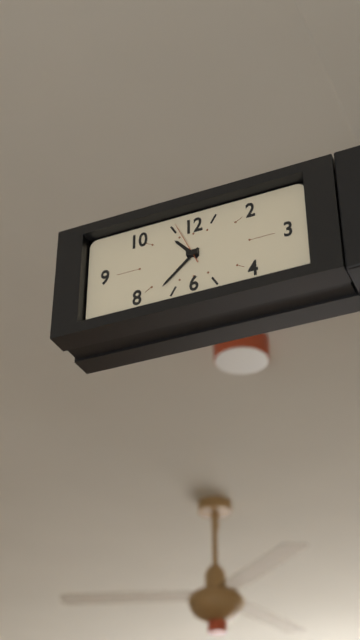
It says 10.38
